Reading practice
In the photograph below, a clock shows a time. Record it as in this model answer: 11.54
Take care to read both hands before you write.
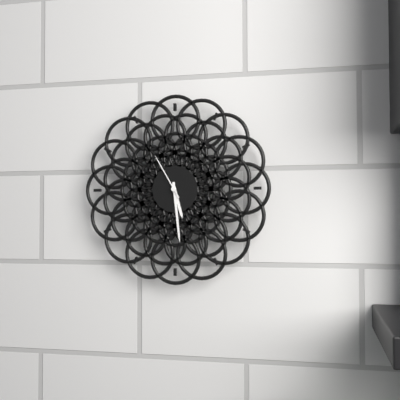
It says 5.29
